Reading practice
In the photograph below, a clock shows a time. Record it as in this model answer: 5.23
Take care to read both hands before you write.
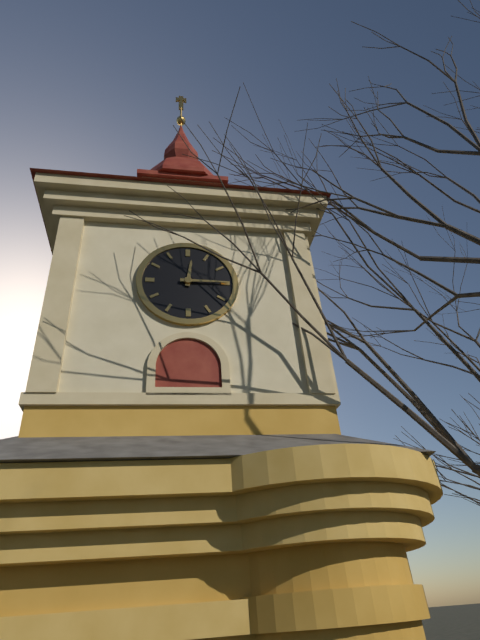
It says 12.15
